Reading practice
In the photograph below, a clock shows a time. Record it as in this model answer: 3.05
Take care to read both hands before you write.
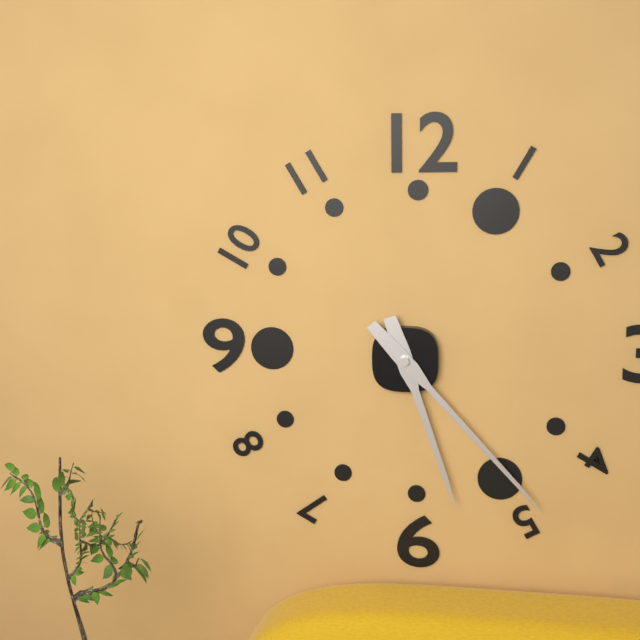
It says 5.23
